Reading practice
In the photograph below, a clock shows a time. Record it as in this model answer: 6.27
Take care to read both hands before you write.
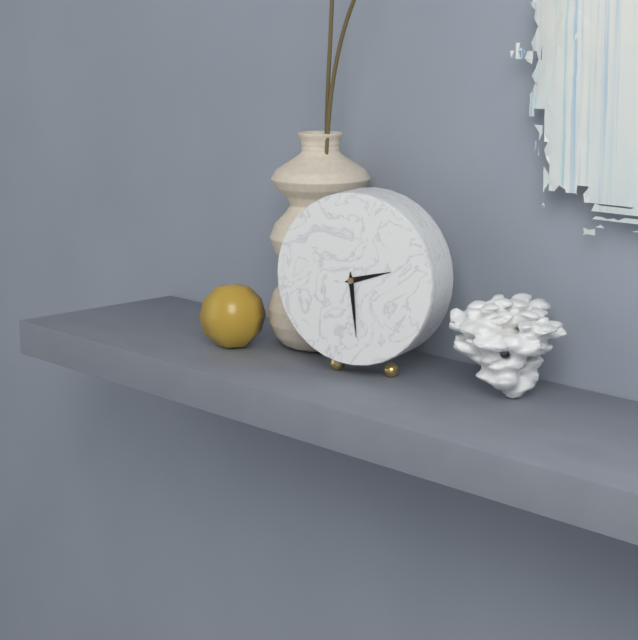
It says 2.29
